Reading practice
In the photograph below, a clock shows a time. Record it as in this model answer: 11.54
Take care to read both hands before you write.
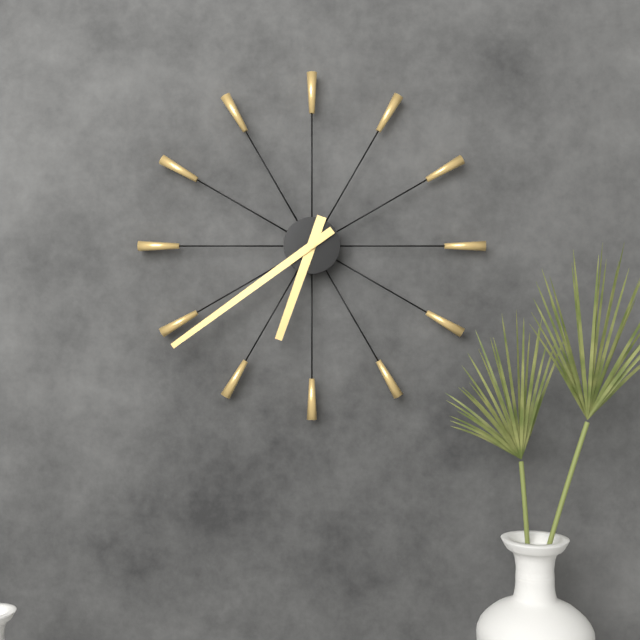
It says 6.39
